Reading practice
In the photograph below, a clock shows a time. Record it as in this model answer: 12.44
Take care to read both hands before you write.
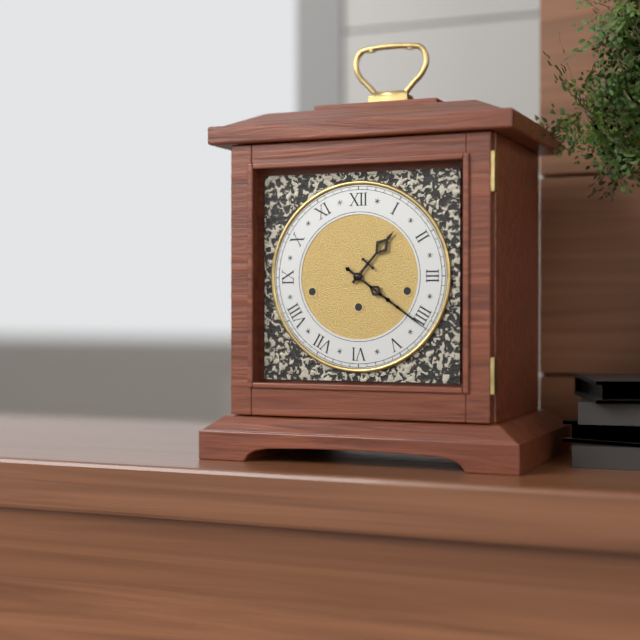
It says 1.21
